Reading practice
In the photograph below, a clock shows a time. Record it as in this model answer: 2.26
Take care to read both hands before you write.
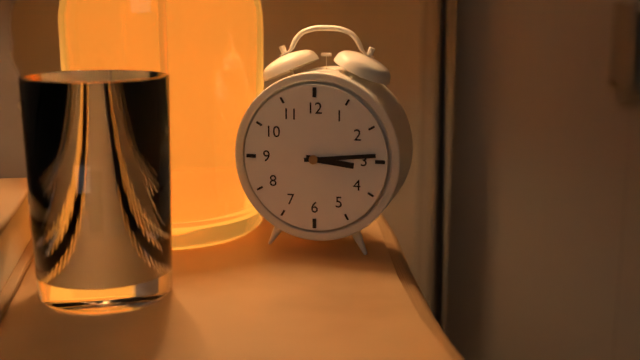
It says 3.14
